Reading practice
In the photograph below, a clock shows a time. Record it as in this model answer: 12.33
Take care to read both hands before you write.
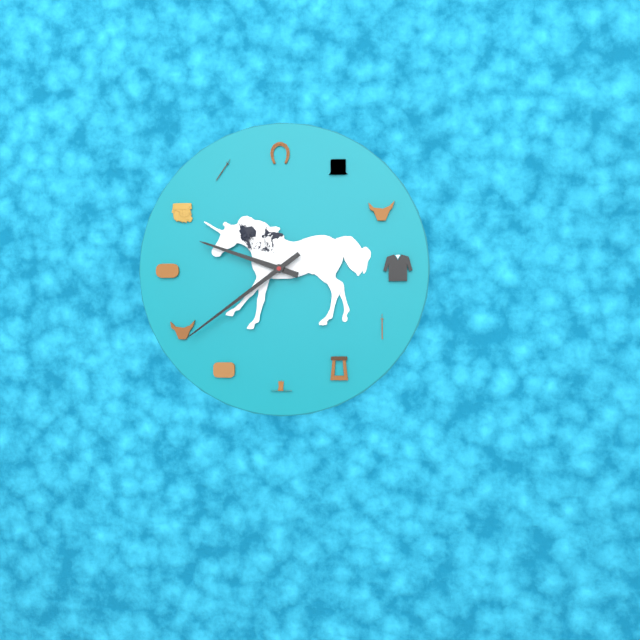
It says 9.39
